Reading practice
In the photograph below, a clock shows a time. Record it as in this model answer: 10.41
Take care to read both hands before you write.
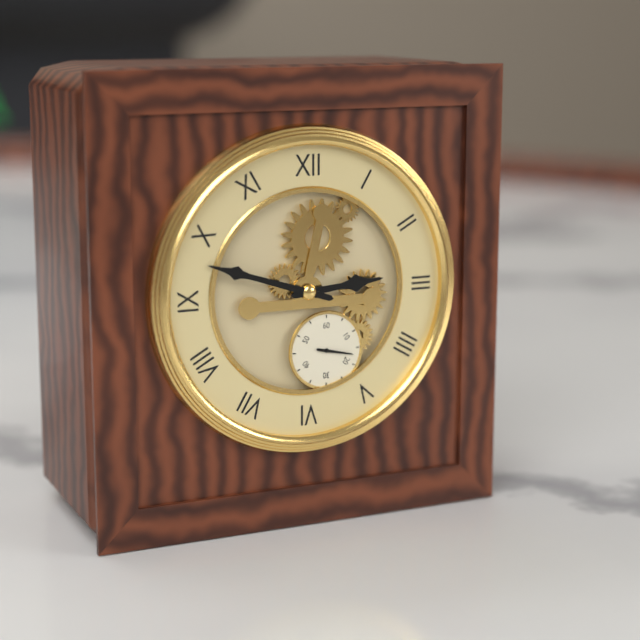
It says 2.48
